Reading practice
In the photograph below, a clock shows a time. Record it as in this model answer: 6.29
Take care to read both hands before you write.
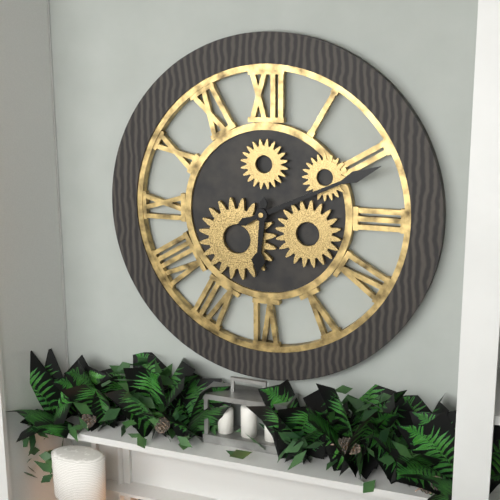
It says 6.11
